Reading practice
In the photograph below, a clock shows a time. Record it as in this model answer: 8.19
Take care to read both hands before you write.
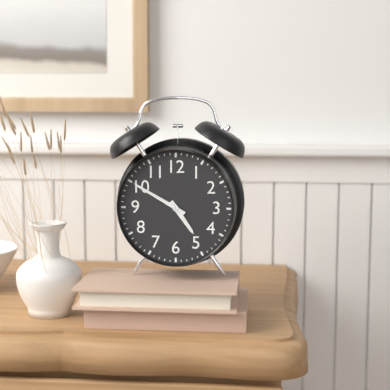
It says 4.50
